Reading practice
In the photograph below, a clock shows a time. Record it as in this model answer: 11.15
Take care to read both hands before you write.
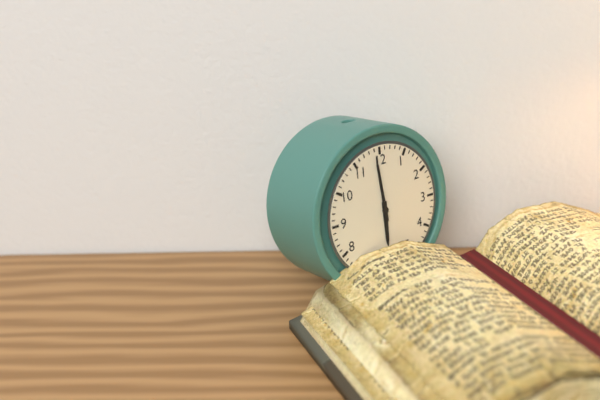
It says 5.59
